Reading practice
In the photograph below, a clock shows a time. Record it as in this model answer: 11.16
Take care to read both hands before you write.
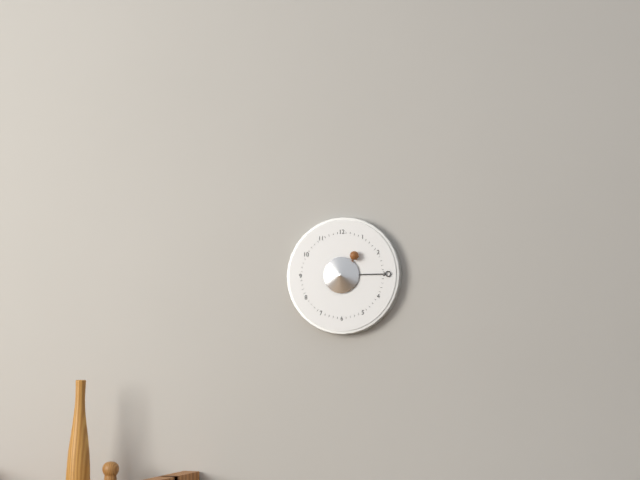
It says 1.15
